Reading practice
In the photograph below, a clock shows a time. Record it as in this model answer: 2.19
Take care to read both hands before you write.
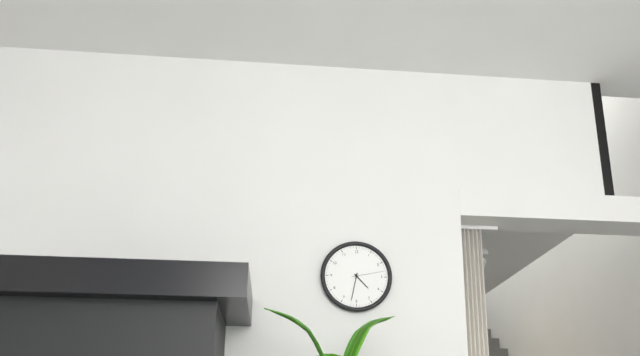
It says 4.32
